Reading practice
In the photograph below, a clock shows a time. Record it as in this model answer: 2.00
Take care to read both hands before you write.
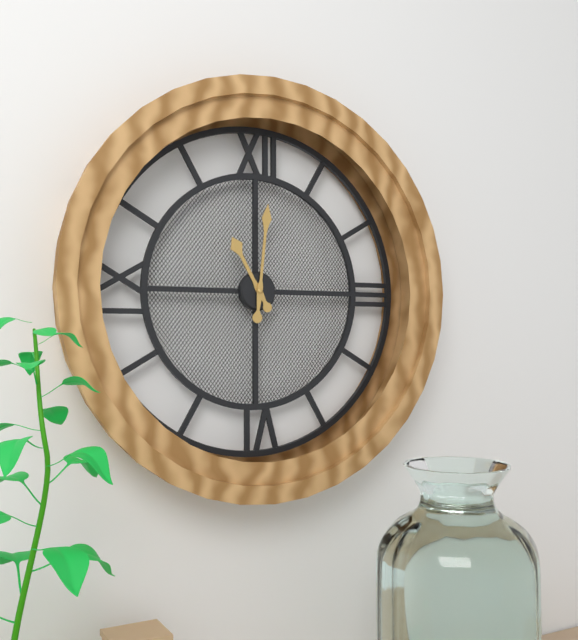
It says 11.01
